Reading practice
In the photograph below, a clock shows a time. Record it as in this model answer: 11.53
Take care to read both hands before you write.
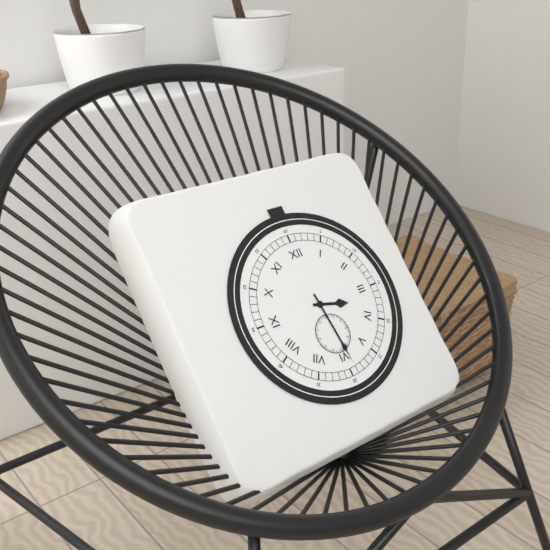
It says 3.29
